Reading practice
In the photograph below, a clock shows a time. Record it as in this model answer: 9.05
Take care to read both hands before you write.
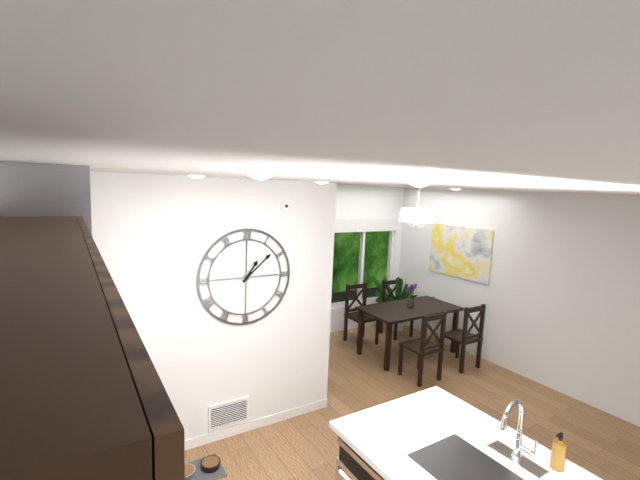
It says 1.08
